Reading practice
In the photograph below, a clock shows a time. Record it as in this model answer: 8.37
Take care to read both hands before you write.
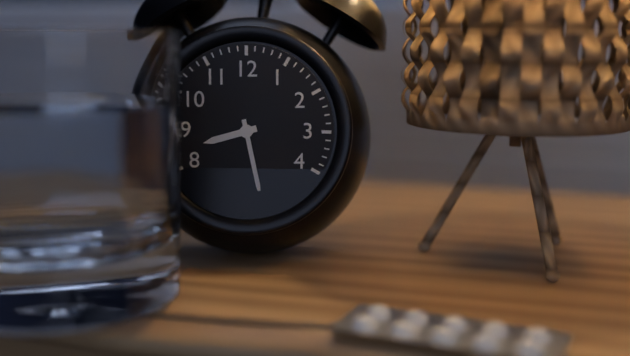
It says 8.28
